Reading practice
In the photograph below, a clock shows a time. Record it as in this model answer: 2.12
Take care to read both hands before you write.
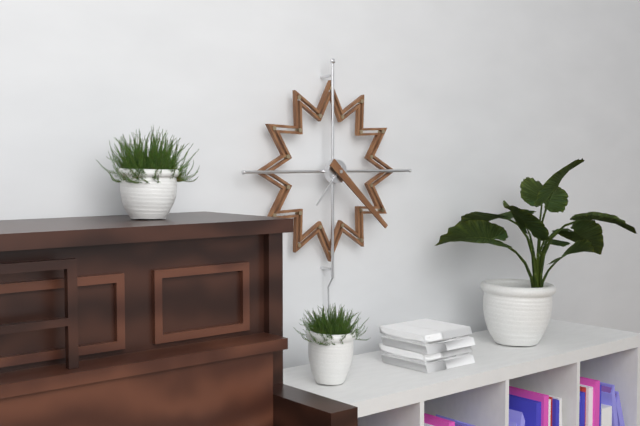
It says 7.22
